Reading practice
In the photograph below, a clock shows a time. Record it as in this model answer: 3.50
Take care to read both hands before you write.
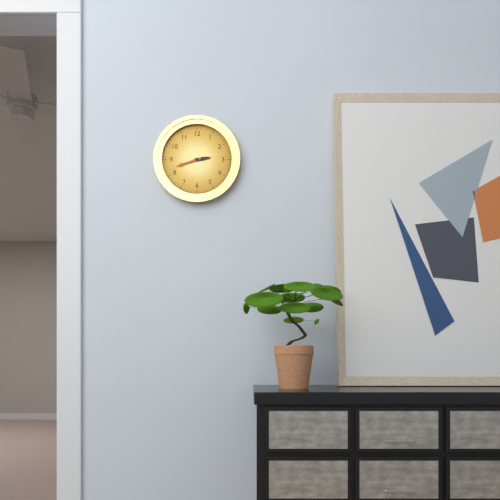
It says 2.42
